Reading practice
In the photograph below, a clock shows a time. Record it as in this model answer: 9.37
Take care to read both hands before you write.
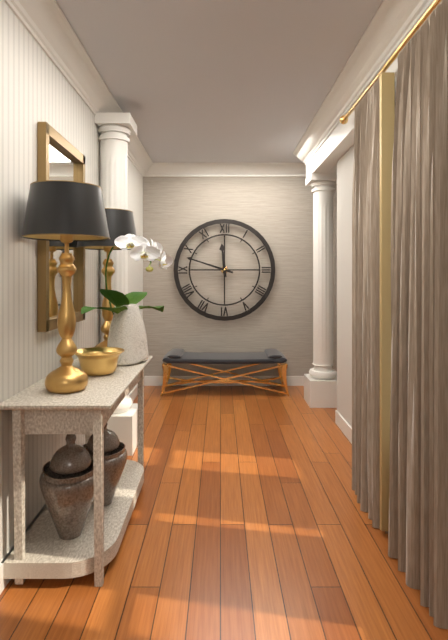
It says 11.48
